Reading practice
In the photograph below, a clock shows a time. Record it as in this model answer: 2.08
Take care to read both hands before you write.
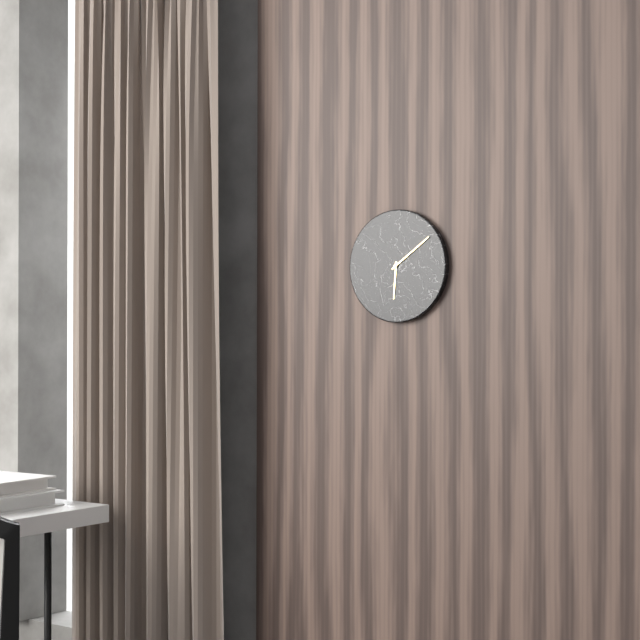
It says 6.09
